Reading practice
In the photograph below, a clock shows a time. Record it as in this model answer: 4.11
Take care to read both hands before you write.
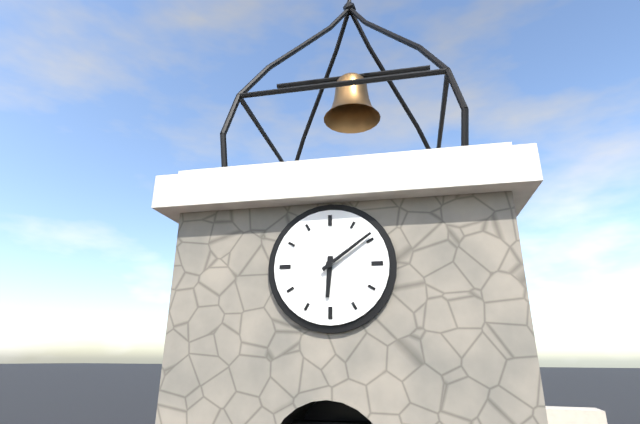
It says 6.09
